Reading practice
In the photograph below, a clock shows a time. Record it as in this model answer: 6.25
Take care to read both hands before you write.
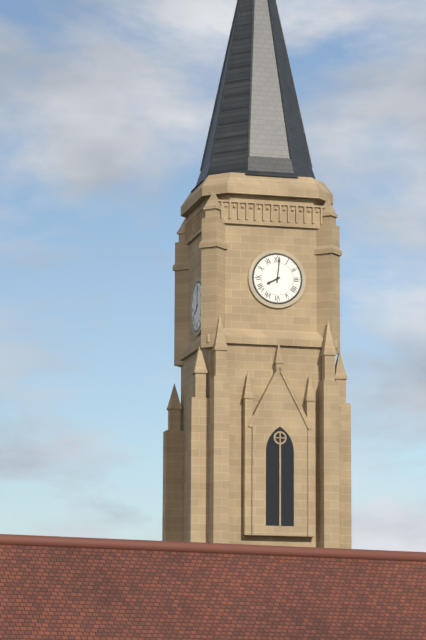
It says 8.01
